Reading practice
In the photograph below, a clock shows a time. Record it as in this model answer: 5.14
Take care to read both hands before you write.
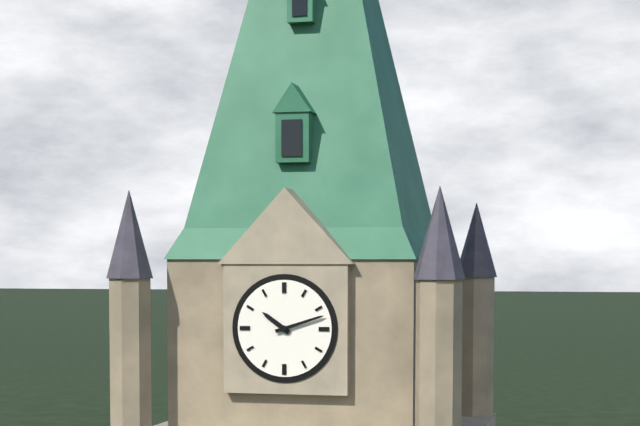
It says 10.12
